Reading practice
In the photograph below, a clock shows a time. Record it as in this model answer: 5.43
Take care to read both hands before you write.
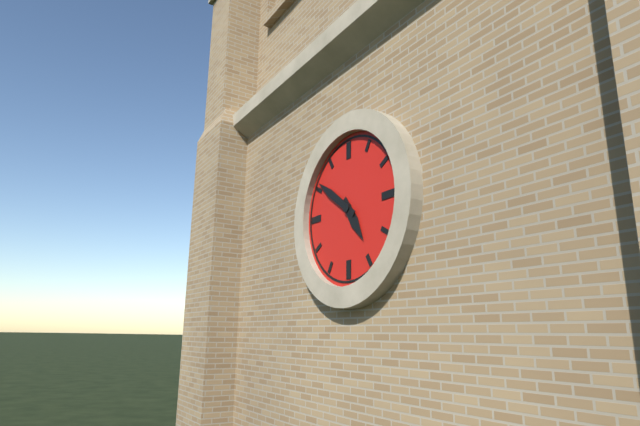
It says 4.51
